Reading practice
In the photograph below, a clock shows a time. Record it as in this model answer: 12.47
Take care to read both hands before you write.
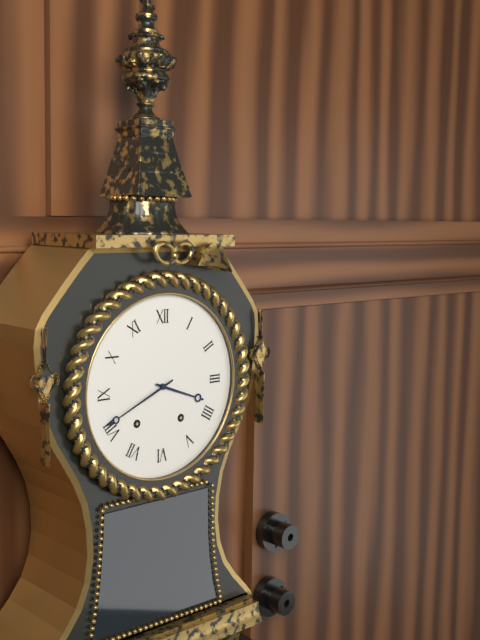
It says 3.41
